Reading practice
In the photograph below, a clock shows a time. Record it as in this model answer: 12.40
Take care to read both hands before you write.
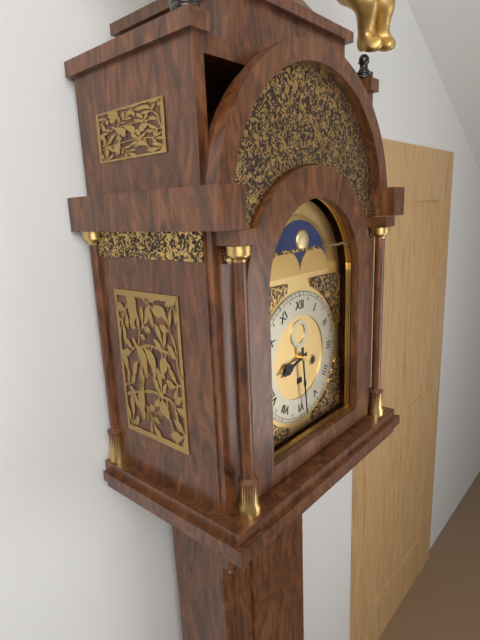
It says 8.29
